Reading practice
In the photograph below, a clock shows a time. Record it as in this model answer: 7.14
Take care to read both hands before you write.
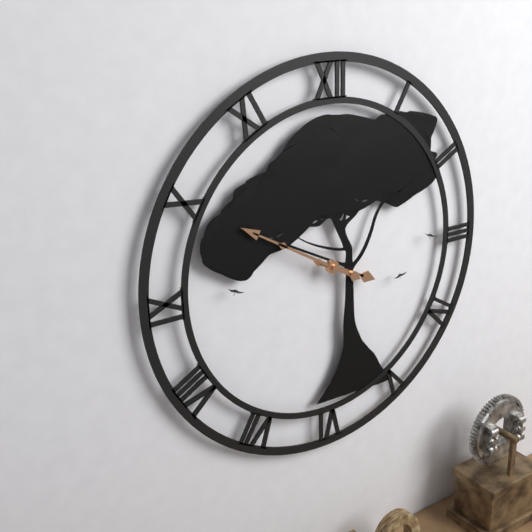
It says 3.50
